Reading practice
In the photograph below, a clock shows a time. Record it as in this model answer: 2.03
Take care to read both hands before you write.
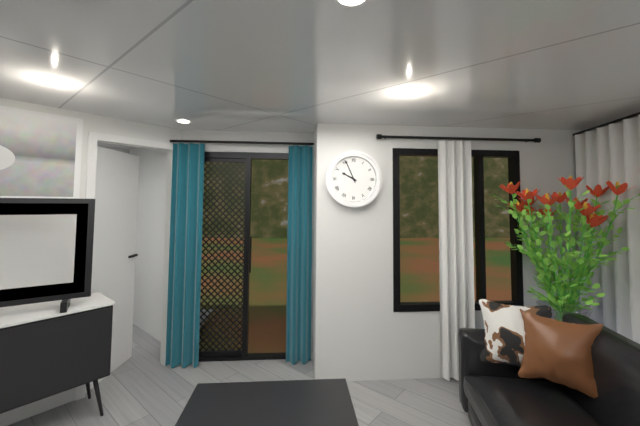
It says 9.56
